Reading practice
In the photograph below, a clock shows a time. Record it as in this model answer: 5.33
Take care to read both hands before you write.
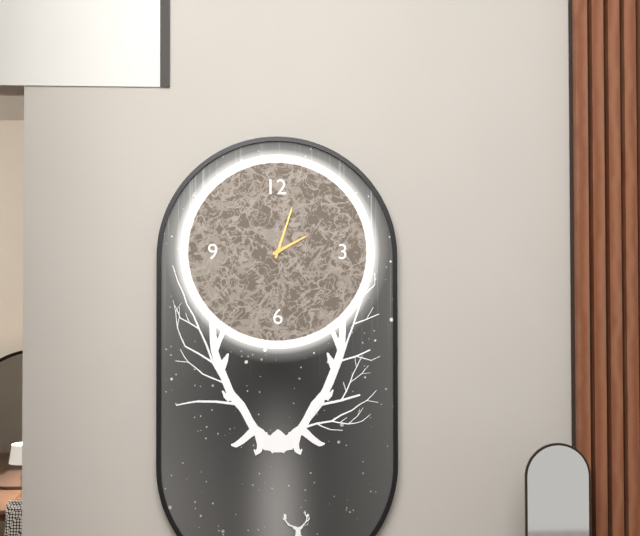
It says 2.03
